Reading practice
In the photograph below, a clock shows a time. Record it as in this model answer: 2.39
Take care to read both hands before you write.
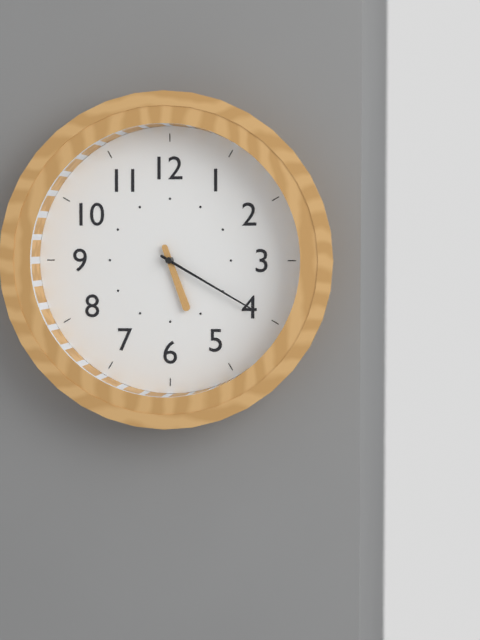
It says 5.20
